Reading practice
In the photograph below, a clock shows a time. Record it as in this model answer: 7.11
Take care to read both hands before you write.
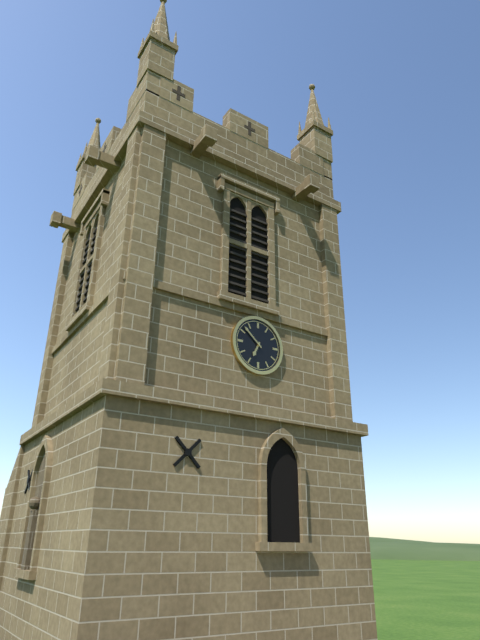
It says 6.52
